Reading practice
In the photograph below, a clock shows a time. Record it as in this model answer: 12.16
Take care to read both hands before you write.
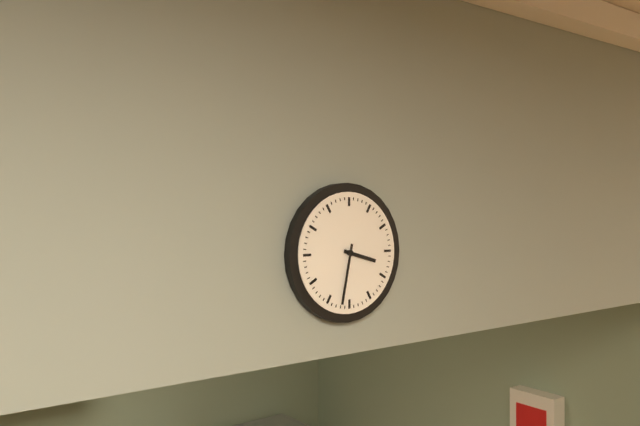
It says 3.32
